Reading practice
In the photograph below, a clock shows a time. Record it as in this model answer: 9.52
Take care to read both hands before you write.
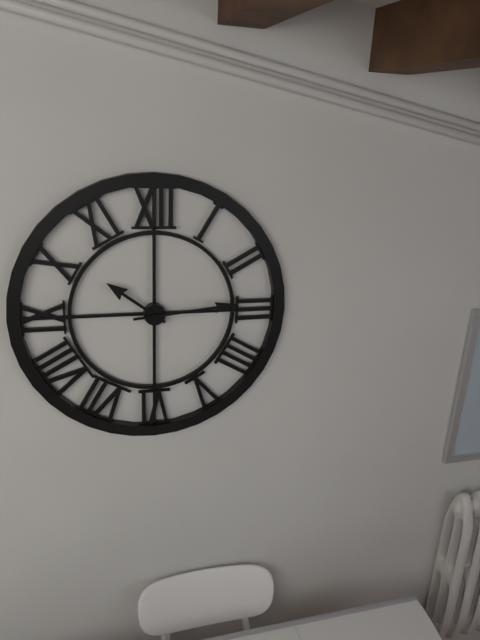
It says 10.14
